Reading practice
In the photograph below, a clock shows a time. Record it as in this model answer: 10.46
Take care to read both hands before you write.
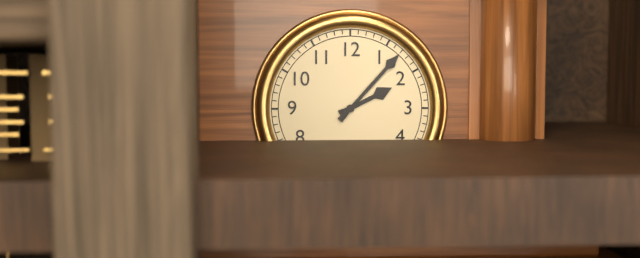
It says 2.07
